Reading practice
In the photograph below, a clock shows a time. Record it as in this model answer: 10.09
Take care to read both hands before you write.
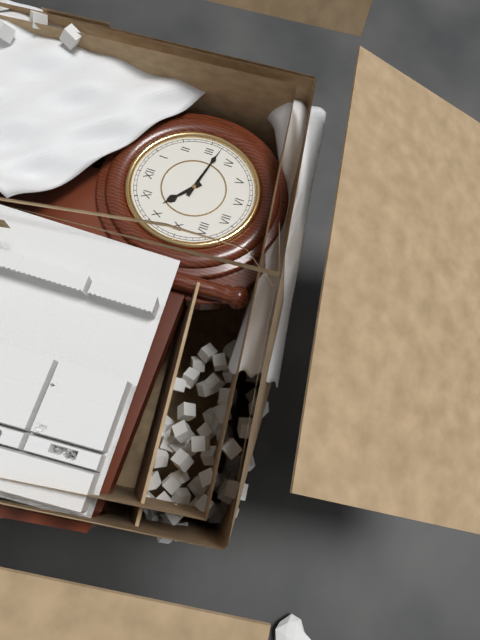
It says 10.17
